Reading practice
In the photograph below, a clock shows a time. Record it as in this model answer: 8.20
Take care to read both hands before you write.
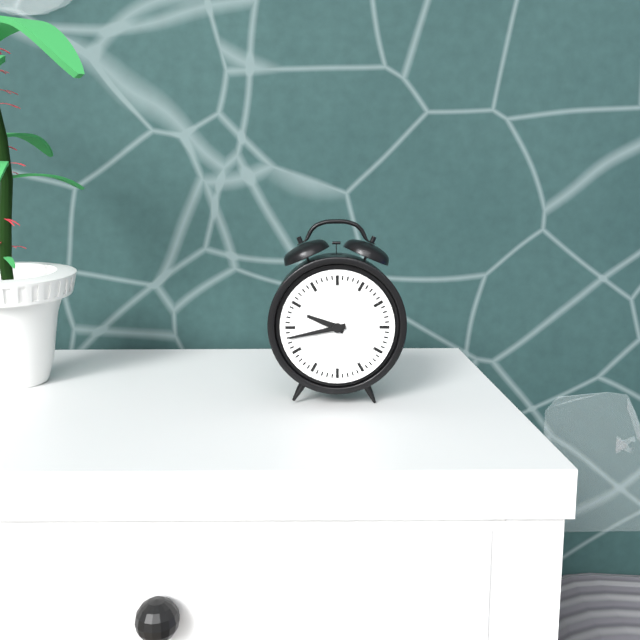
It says 9.43
